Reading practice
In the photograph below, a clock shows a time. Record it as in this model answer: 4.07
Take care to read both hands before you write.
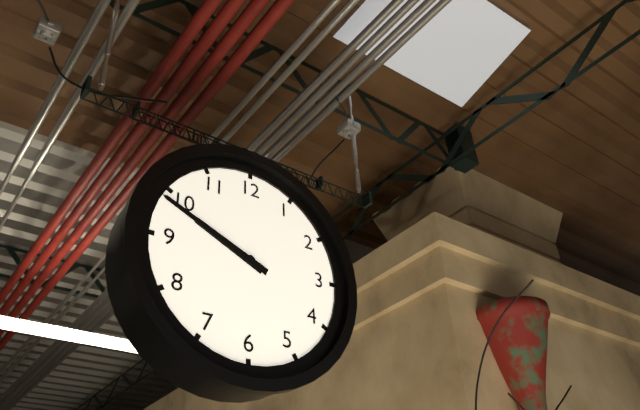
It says 9.49
